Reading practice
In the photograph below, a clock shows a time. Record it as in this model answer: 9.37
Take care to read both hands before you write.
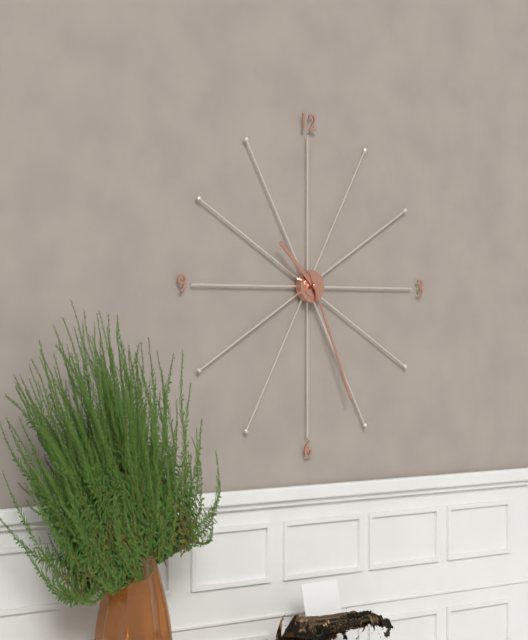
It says 10.26
